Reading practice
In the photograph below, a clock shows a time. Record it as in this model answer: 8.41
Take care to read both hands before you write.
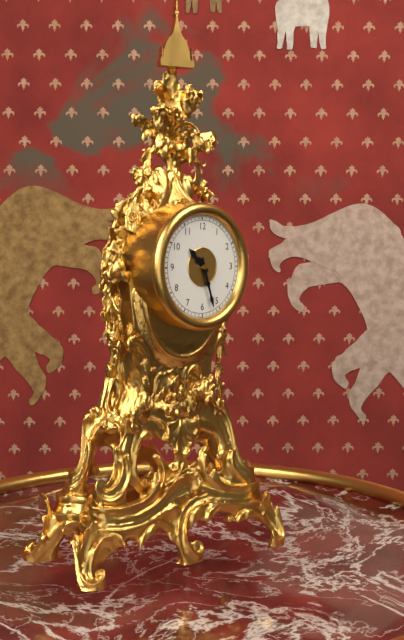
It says 10.27
